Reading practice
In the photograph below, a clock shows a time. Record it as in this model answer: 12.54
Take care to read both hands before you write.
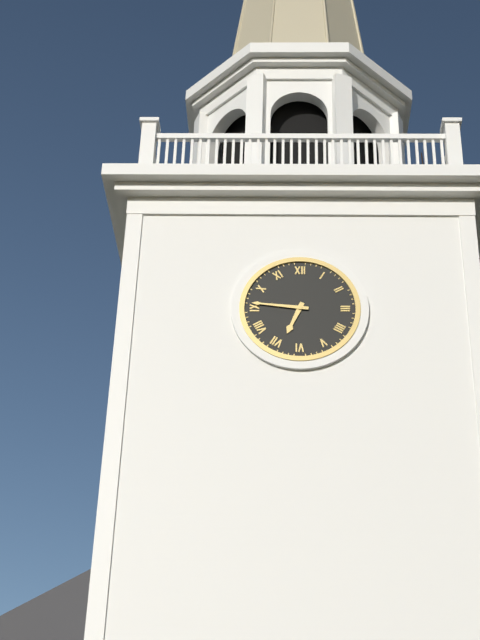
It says 6.46
